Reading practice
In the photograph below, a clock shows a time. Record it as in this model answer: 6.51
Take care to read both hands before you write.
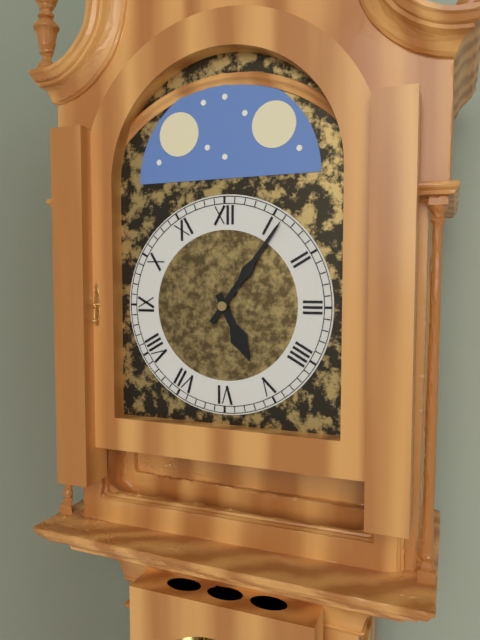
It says 5.06
